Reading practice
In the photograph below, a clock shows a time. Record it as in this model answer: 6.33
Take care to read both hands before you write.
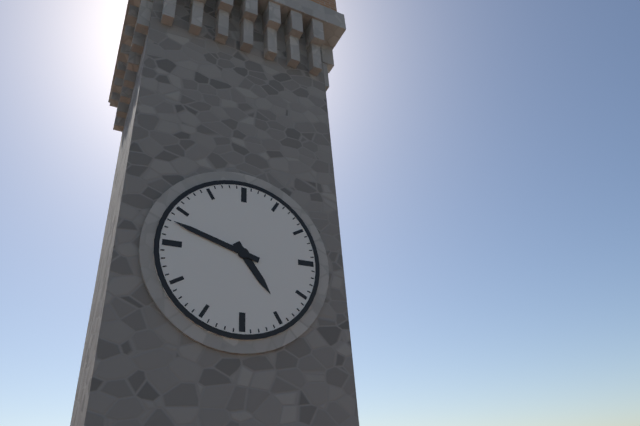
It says 4.48
